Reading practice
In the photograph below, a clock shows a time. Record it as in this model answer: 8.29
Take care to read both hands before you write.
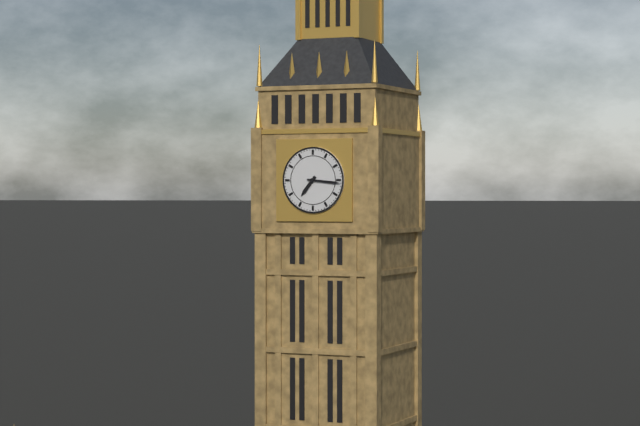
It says 7.16
